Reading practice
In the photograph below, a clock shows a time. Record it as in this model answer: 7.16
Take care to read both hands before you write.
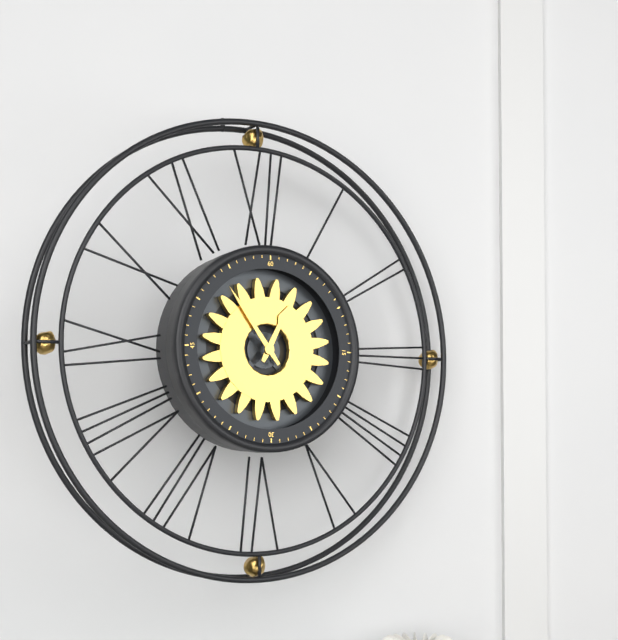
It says 12.54
